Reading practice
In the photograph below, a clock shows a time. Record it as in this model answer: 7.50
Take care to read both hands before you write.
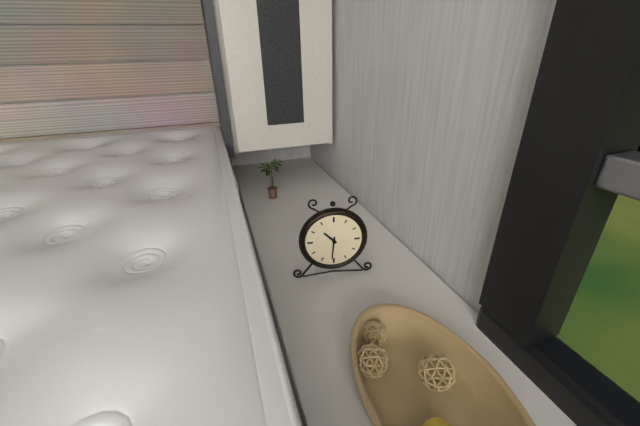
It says 10.31
